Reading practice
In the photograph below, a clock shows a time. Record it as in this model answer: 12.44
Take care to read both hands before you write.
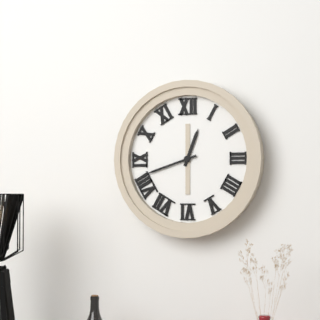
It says 12.42
